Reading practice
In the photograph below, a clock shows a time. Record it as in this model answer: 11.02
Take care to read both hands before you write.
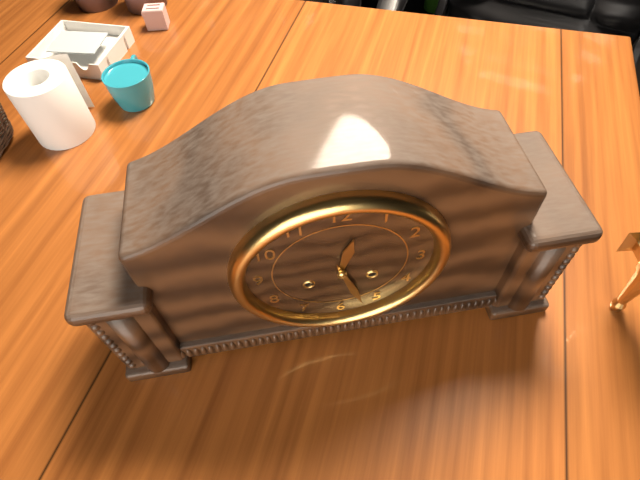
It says 12.27
